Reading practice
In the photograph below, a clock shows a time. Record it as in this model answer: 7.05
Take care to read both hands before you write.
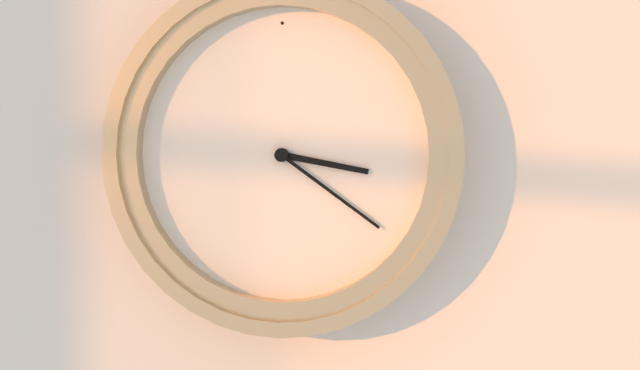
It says 3.21
